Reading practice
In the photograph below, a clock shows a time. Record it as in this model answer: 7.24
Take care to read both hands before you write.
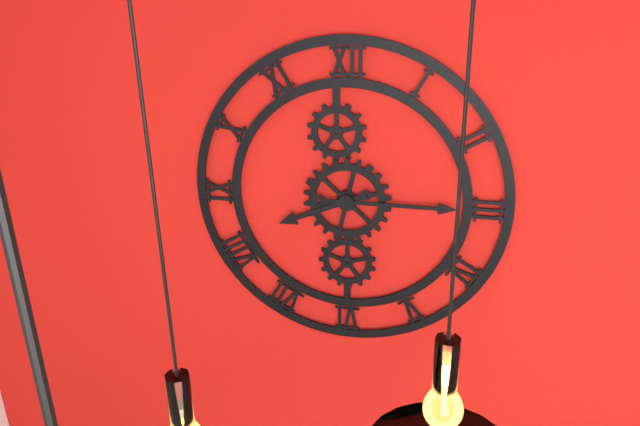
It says 8.15
